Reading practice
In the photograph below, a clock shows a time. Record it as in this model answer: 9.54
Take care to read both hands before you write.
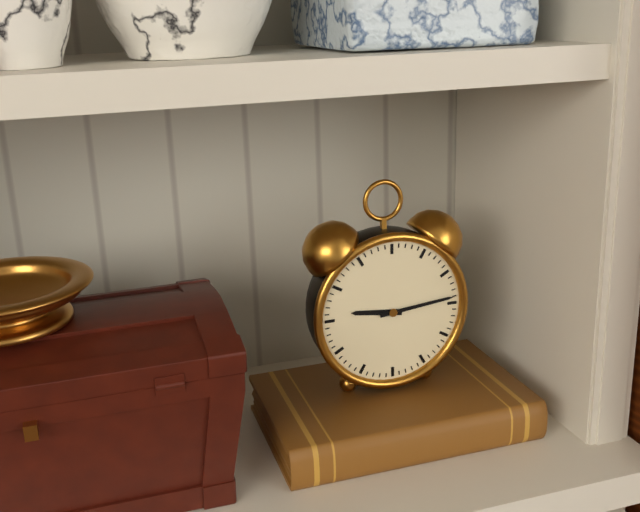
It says 9.14
